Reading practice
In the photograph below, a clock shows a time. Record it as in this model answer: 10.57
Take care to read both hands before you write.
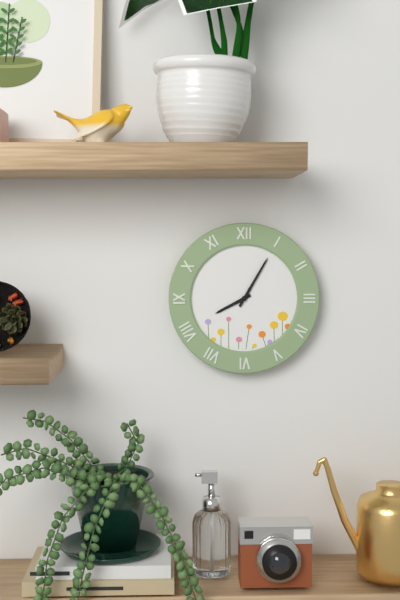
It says 8.05
